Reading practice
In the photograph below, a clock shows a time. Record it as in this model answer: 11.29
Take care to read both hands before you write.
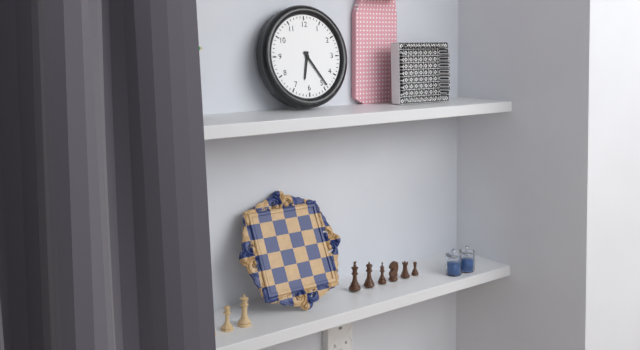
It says 6.24
